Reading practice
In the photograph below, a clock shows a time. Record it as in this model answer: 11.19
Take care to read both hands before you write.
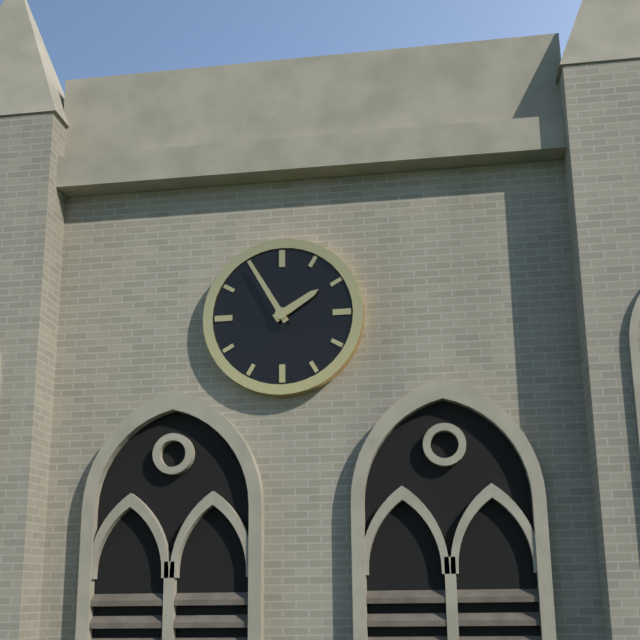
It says 1.55
